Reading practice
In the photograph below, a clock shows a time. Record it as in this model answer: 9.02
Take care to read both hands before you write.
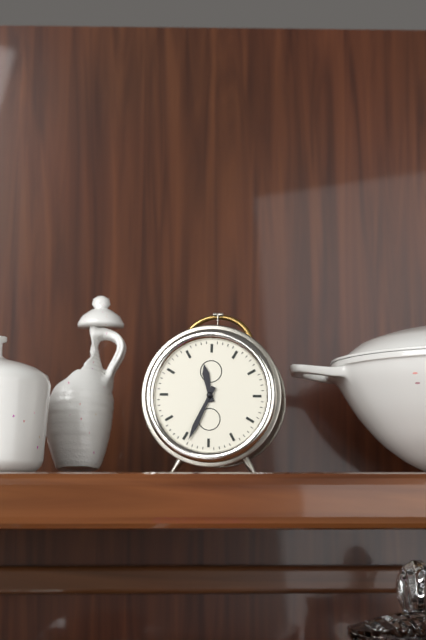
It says 11.34
